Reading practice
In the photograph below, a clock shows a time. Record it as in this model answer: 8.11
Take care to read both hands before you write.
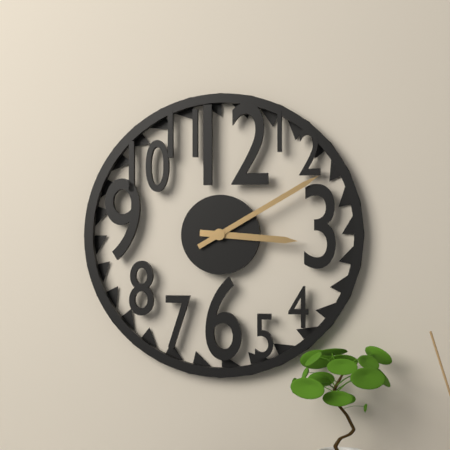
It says 3.10
